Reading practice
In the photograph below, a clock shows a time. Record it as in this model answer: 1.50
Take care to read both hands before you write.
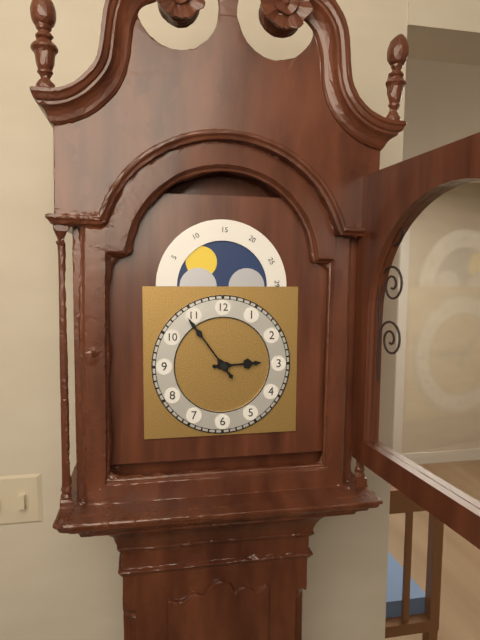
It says 2.54
